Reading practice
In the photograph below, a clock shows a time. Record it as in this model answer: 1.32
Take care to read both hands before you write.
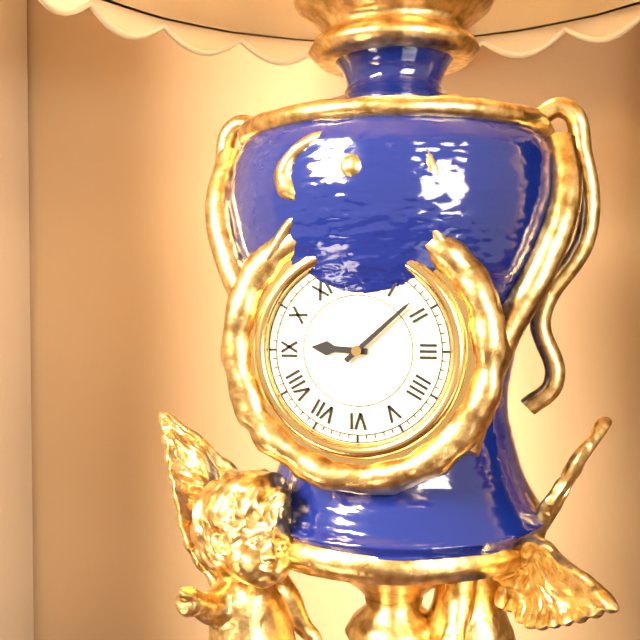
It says 9.08
